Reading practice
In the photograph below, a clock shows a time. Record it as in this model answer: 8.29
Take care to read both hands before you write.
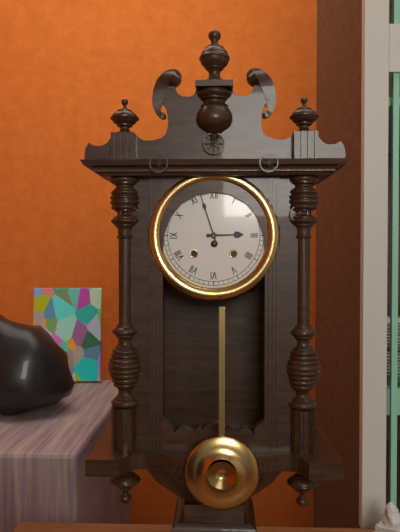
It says 2.57
